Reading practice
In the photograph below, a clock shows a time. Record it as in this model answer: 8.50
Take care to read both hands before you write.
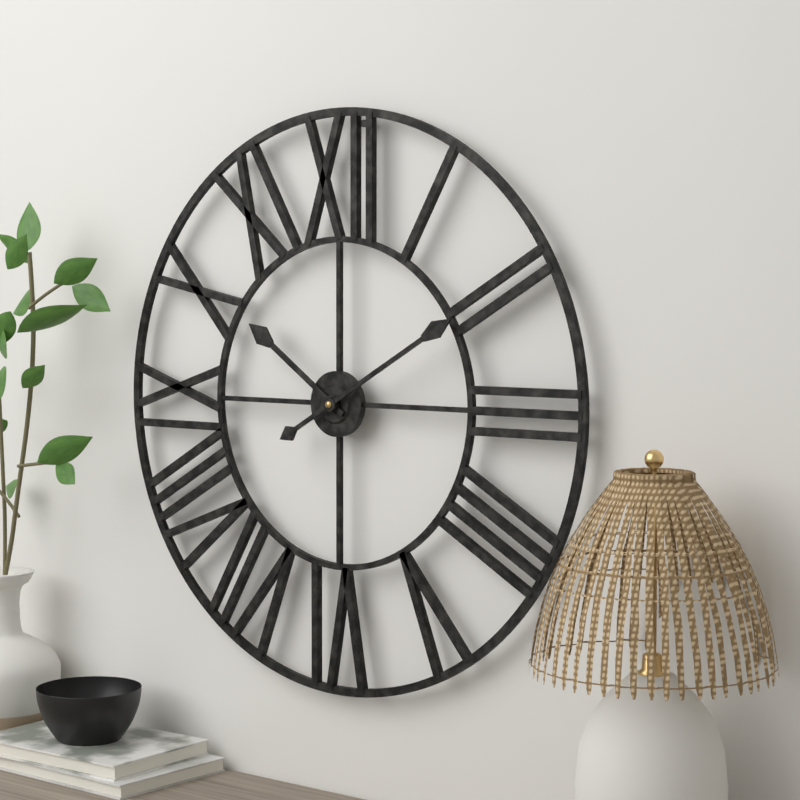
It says 10.10
